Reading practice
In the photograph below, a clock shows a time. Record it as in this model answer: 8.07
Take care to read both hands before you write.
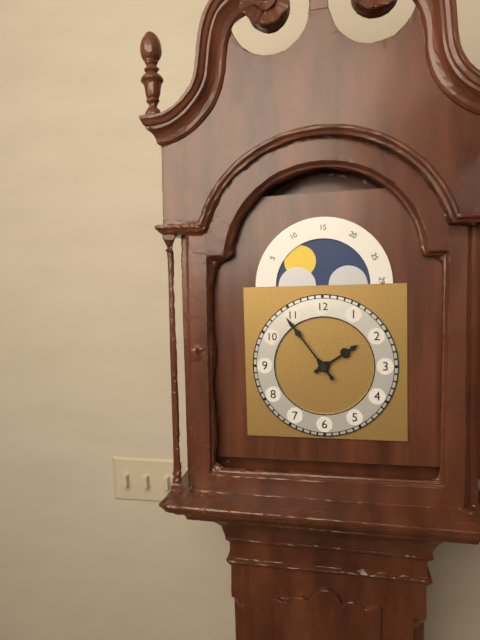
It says 1.54
